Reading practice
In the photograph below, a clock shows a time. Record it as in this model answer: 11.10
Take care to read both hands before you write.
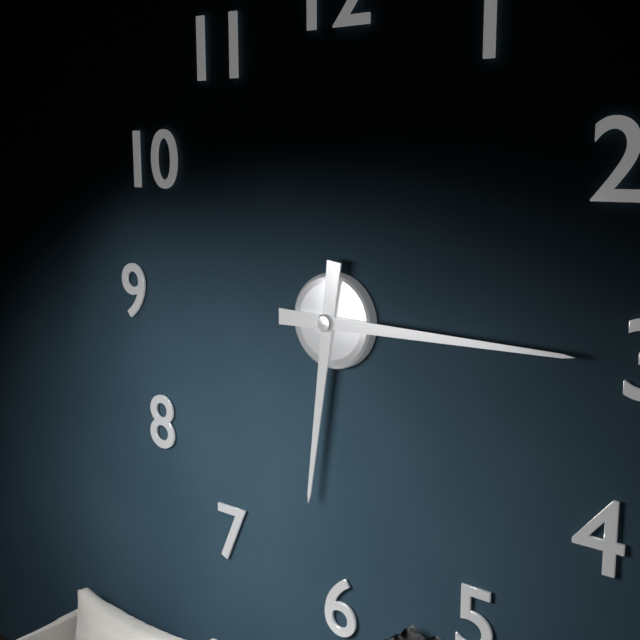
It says 6.15
